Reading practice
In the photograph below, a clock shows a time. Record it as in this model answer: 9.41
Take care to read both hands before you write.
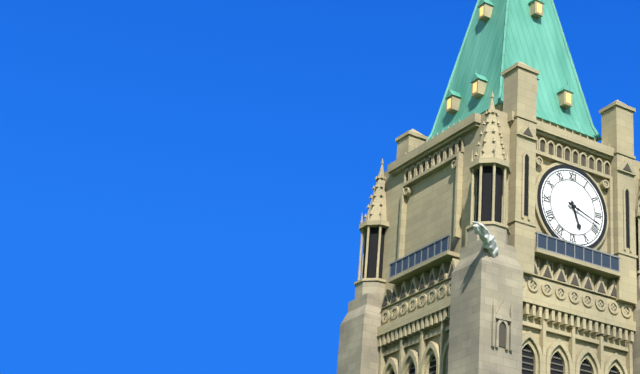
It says 5.18
